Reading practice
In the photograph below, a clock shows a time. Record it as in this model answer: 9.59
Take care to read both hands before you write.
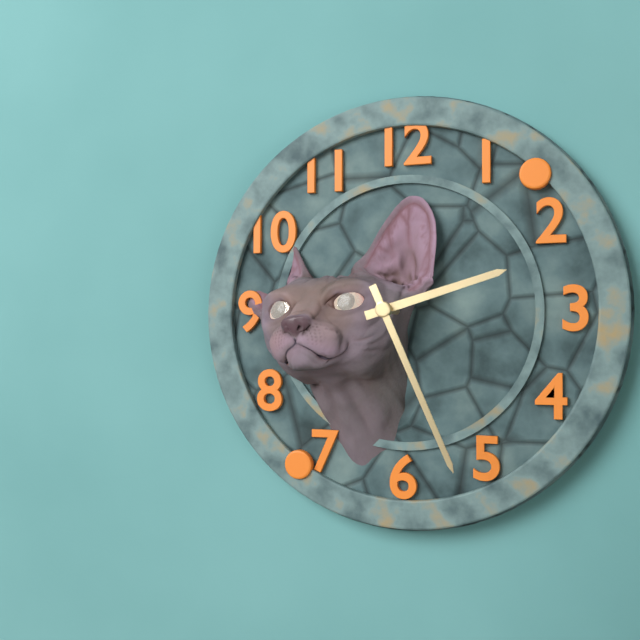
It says 2.26
